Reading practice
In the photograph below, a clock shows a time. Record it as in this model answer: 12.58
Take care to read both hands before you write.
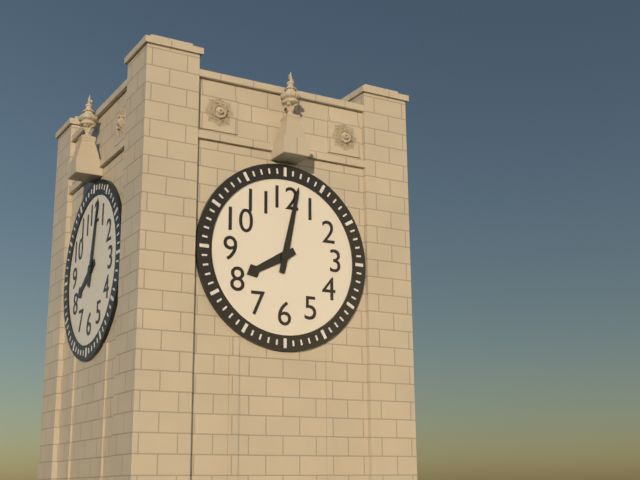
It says 8.02
